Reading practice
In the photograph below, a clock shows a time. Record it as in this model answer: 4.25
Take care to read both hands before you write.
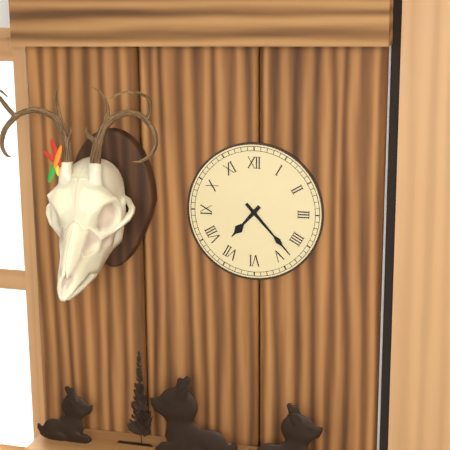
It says 7.23
